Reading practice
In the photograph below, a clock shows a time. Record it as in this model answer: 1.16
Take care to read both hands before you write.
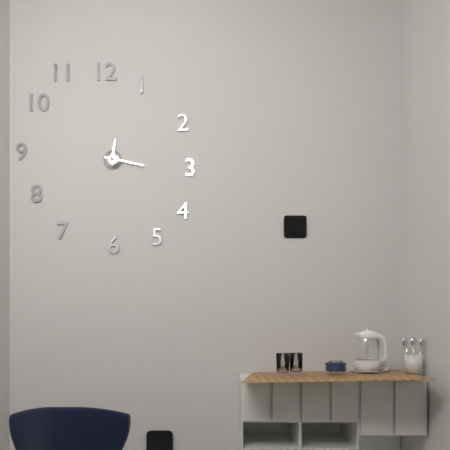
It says 12.17
